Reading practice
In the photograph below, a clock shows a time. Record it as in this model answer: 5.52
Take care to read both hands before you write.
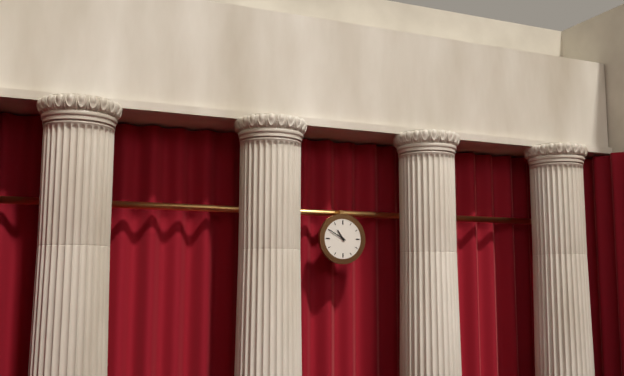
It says 10.50
